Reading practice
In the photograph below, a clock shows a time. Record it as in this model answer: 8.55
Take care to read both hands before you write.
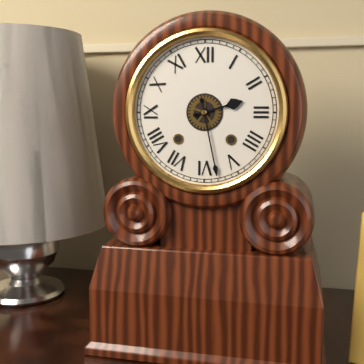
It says 2.28
